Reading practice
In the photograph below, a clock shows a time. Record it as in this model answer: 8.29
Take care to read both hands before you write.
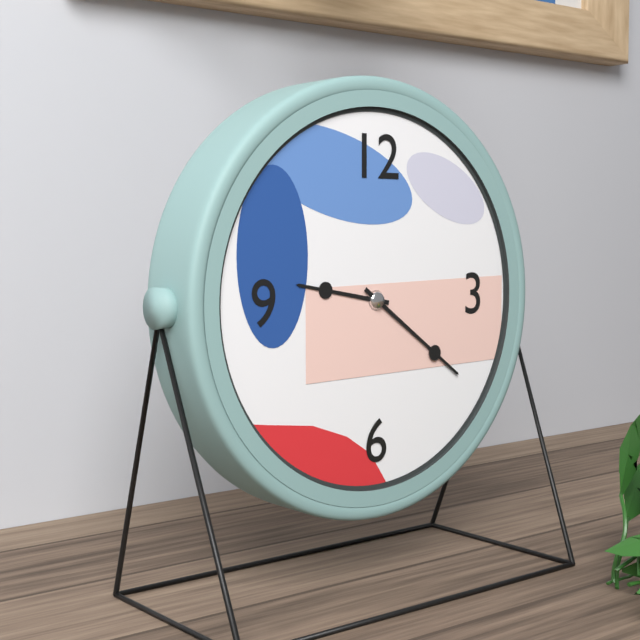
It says 9.21
